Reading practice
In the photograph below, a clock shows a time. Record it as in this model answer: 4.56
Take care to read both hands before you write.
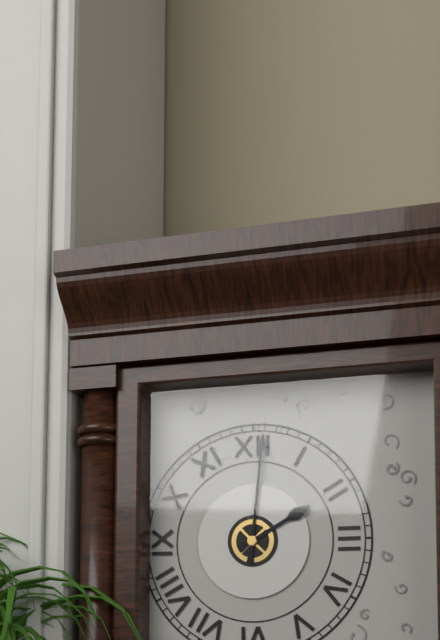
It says 2.01
